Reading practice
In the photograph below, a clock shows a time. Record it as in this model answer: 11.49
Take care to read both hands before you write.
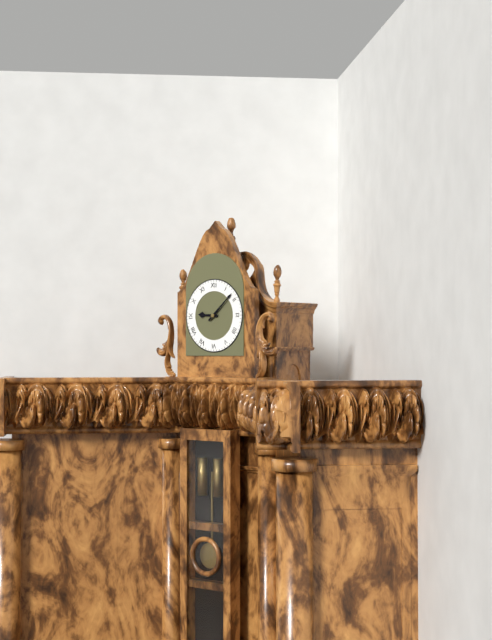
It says 9.08
